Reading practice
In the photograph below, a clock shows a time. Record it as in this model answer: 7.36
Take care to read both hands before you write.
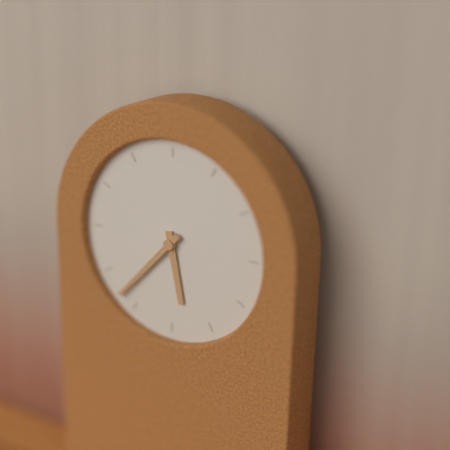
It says 5.37
